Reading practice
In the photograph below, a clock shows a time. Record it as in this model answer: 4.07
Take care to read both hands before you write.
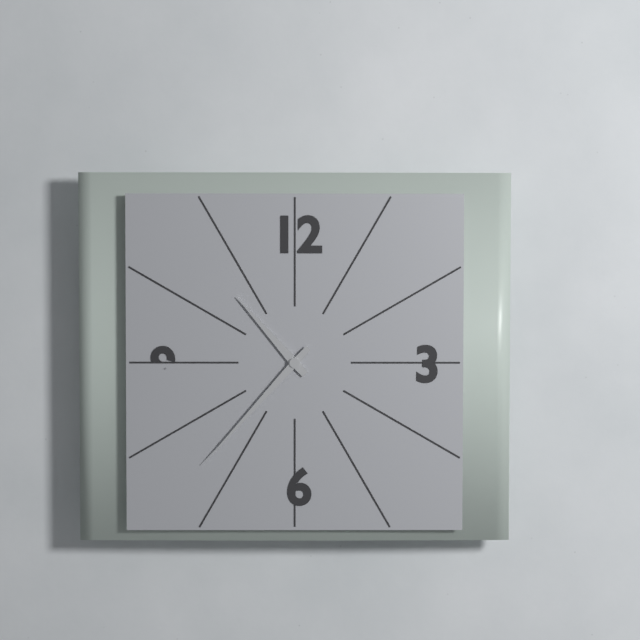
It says 10.37
